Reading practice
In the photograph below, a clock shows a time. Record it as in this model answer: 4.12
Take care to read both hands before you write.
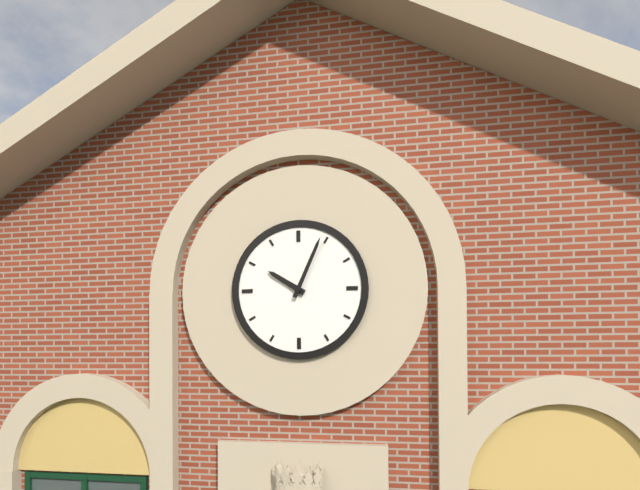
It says 10.04
